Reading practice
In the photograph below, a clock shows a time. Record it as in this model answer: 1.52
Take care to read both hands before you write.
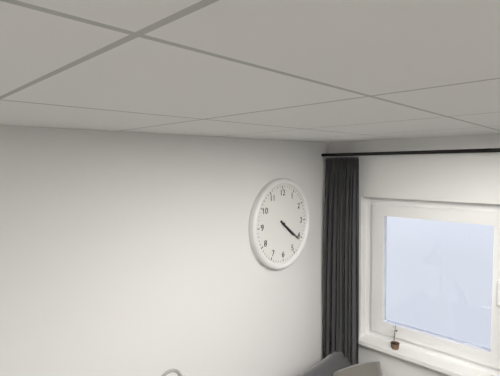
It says 4.21
